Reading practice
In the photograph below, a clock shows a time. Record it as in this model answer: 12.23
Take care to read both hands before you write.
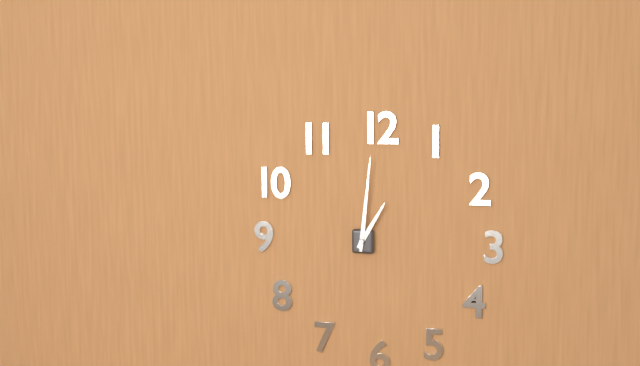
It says 1.01
